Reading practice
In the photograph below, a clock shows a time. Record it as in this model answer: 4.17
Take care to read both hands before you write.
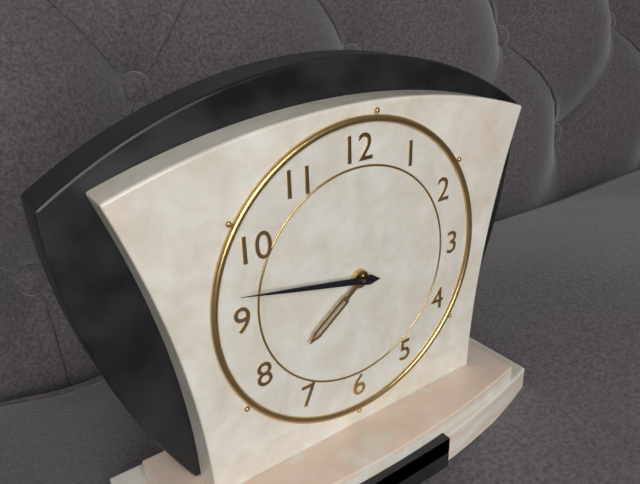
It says 7.47
